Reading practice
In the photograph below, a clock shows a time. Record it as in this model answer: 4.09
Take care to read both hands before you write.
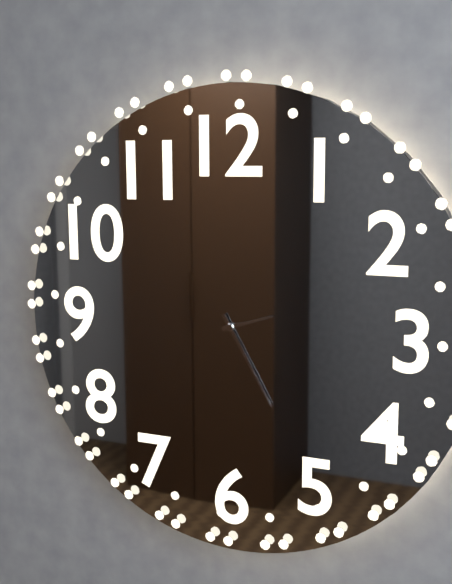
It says 2.25
